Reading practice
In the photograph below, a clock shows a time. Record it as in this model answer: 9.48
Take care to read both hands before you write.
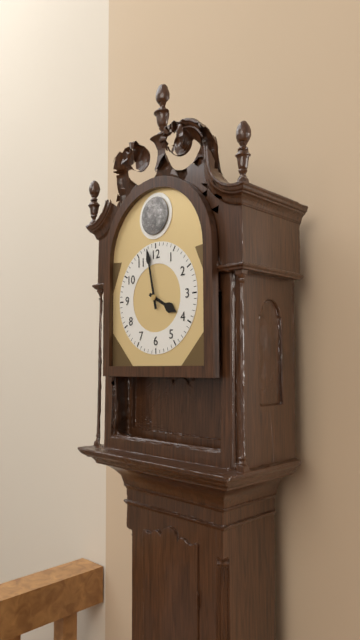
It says 3.58
